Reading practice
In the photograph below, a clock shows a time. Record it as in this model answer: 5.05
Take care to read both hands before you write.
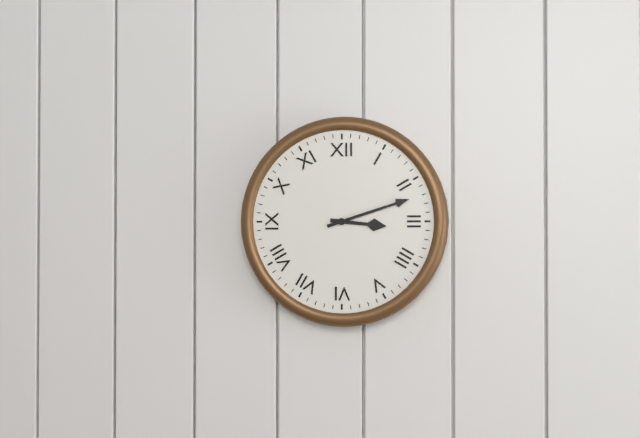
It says 3.12
